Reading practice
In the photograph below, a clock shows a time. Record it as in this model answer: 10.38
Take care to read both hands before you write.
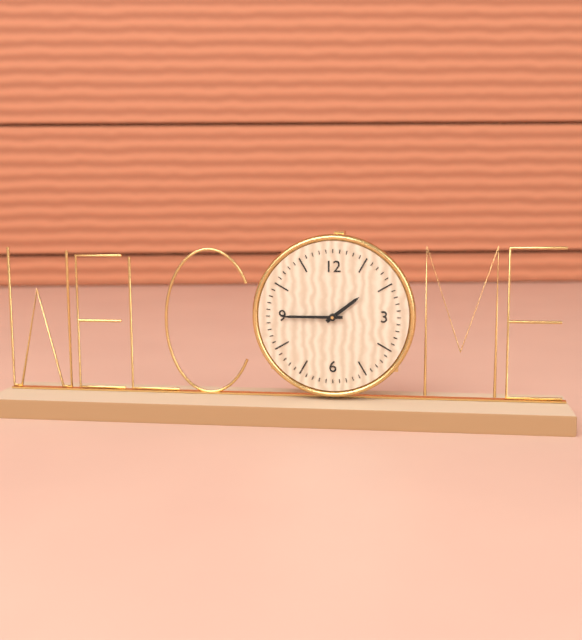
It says 1.45
